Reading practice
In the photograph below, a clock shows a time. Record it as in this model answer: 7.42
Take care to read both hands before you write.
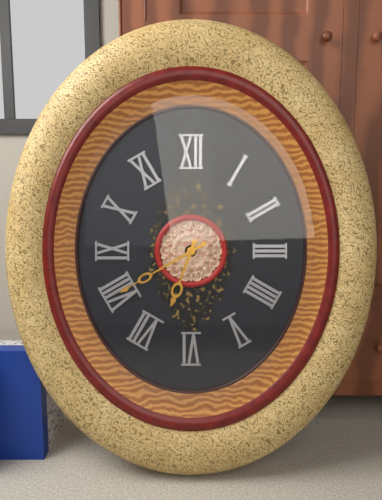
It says 6.40
